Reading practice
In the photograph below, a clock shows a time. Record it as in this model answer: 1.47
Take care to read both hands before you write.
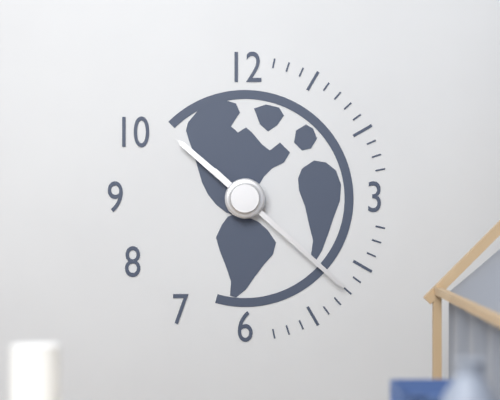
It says 10.22
